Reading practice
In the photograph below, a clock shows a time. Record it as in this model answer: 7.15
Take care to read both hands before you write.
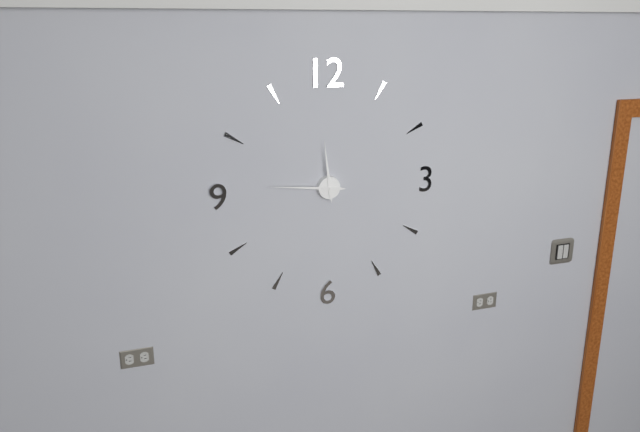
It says 11.46
